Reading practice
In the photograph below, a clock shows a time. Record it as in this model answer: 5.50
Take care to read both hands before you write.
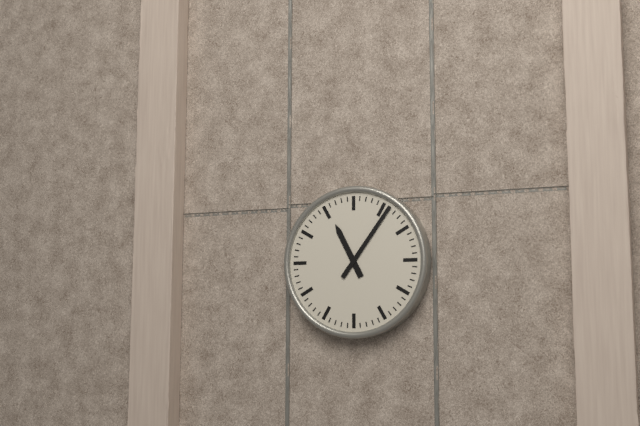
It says 11.06
